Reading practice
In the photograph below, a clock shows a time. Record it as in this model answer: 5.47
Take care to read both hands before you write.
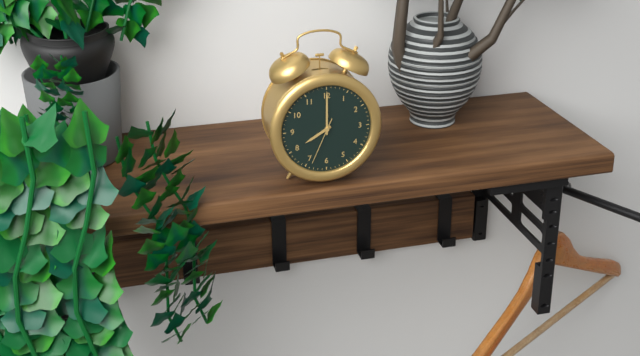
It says 8.00
